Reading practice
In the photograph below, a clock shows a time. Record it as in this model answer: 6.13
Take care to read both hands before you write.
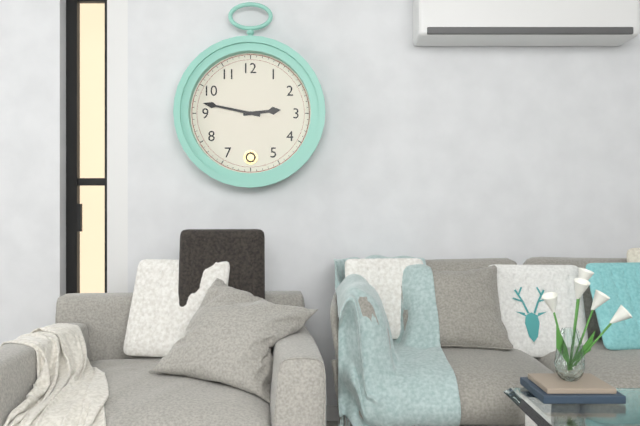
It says 2.47
